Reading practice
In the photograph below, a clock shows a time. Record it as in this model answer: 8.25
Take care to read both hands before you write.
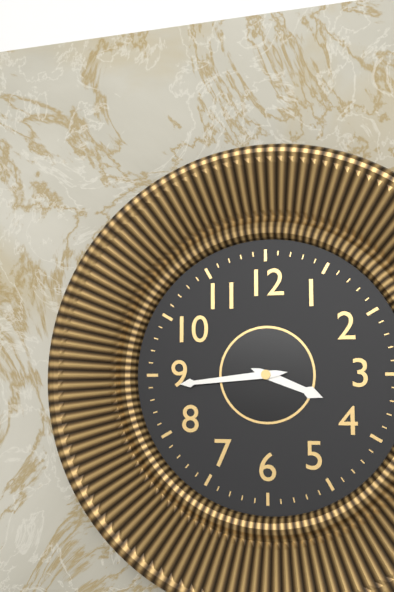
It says 3.44
